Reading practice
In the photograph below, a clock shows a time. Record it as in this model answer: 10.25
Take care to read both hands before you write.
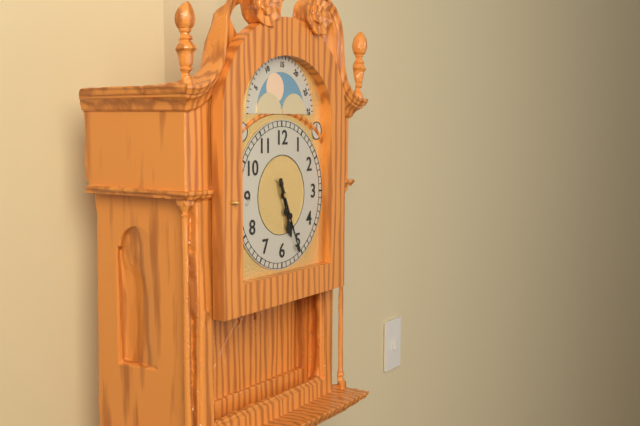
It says 5.26
